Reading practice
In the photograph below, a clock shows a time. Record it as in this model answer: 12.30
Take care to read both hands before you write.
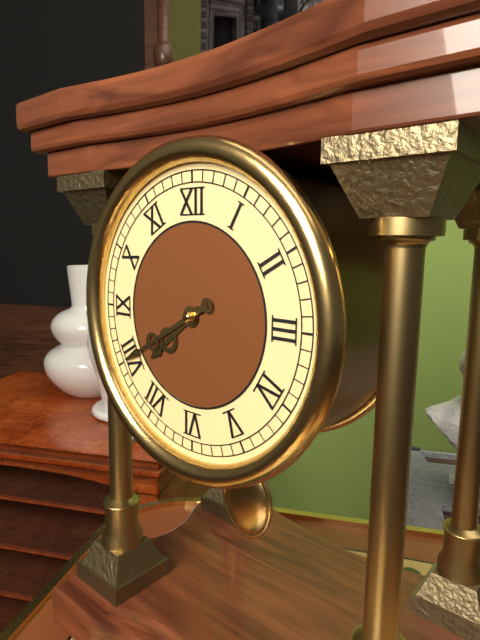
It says 7.40
